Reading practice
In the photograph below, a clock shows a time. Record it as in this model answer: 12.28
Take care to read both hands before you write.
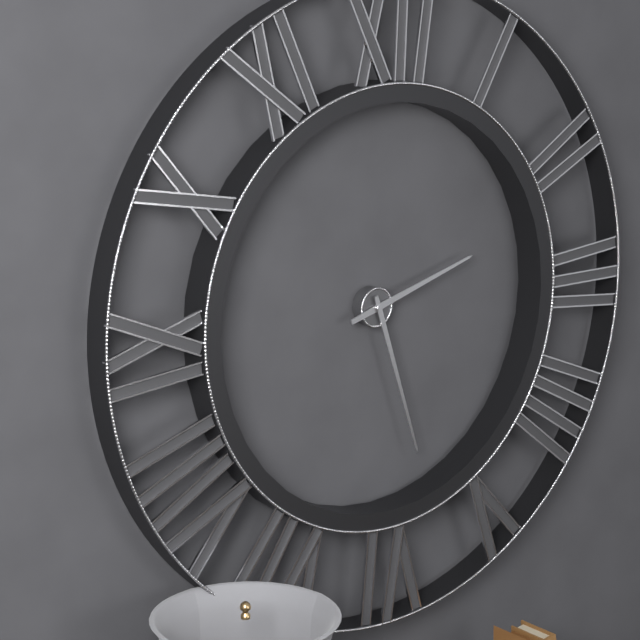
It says 2.27
